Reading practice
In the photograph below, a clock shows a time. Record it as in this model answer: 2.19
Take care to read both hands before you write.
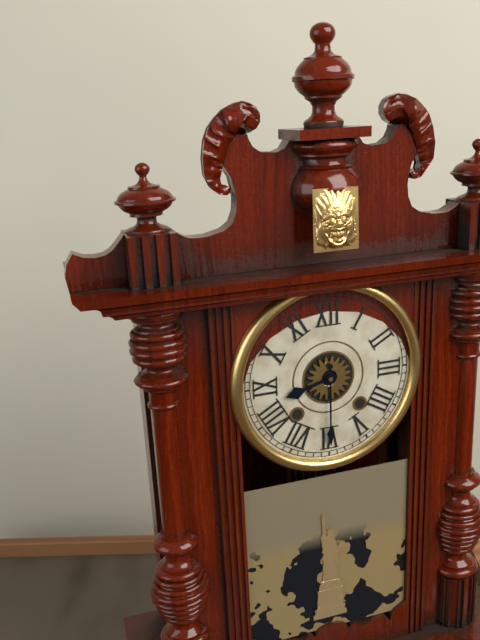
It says 8.30
